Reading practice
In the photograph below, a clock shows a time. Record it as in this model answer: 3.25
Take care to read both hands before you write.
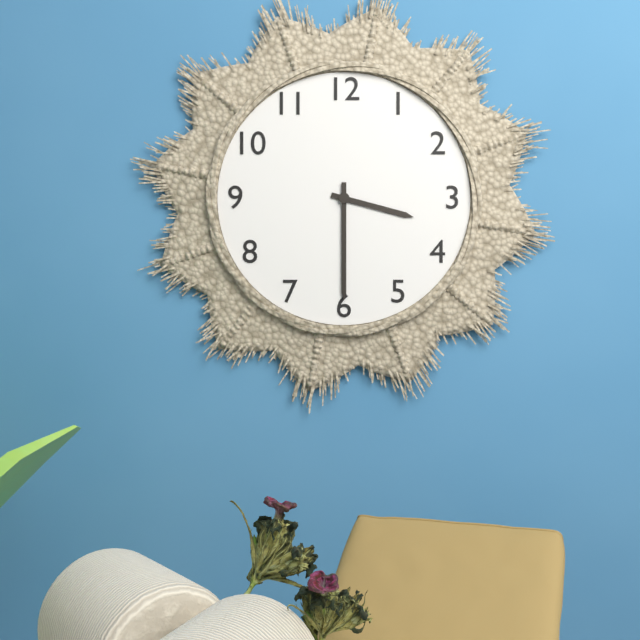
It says 3.30
